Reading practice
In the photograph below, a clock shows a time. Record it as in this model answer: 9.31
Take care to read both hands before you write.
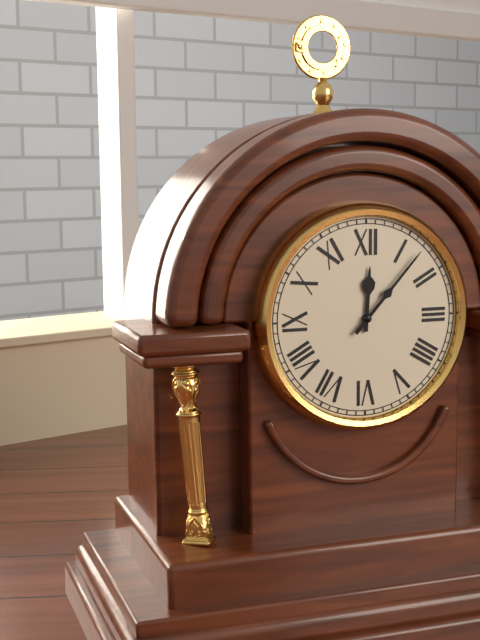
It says 12.07
